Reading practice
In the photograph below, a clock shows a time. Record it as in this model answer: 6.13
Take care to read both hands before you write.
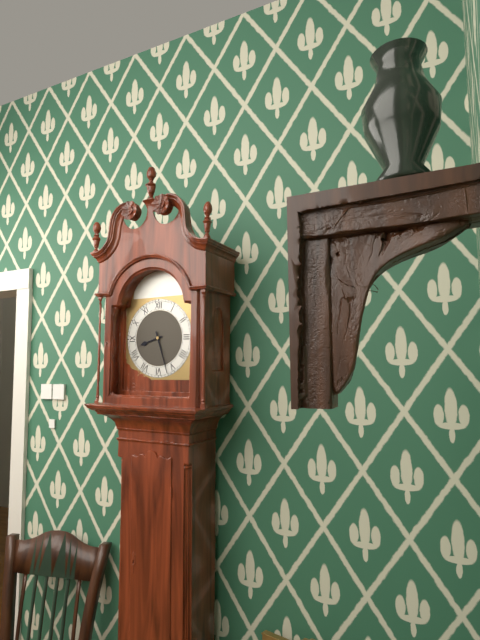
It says 8.27
